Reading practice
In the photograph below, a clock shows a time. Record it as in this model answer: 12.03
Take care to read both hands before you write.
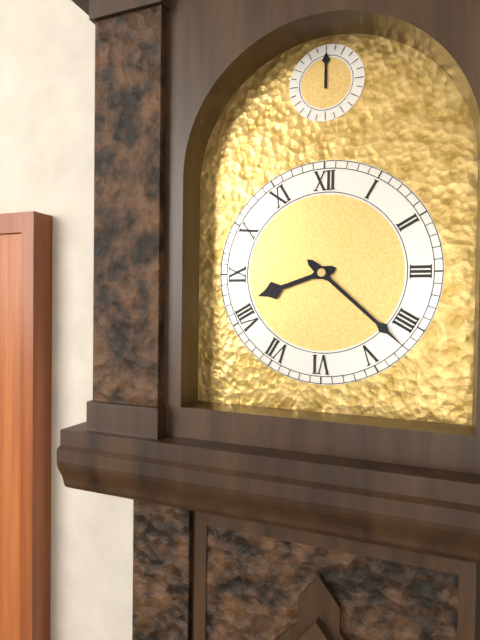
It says 8.22
